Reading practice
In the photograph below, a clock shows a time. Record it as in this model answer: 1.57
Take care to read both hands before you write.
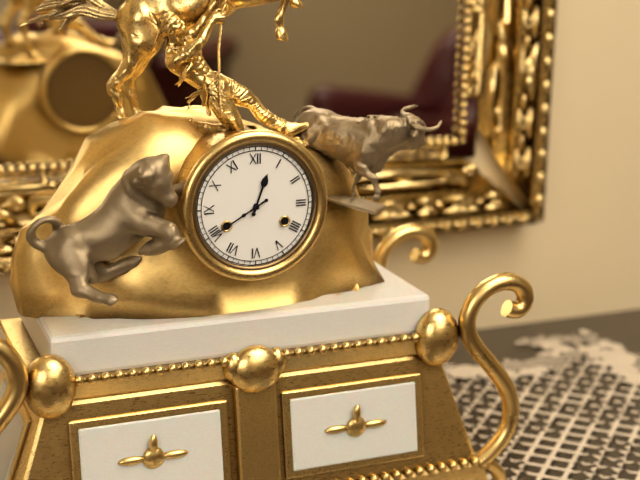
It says 12.40
